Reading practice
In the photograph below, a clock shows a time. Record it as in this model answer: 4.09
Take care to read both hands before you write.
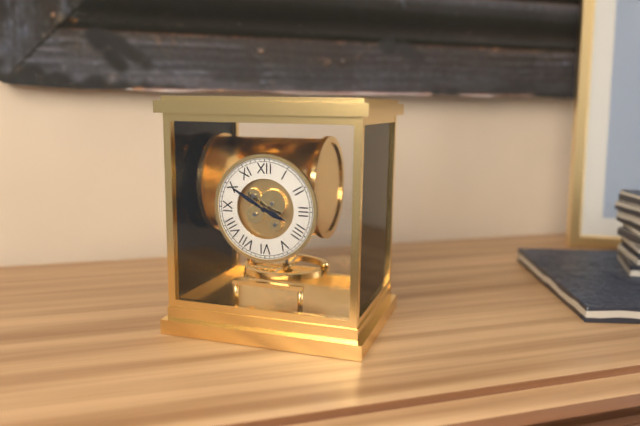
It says 3.50
